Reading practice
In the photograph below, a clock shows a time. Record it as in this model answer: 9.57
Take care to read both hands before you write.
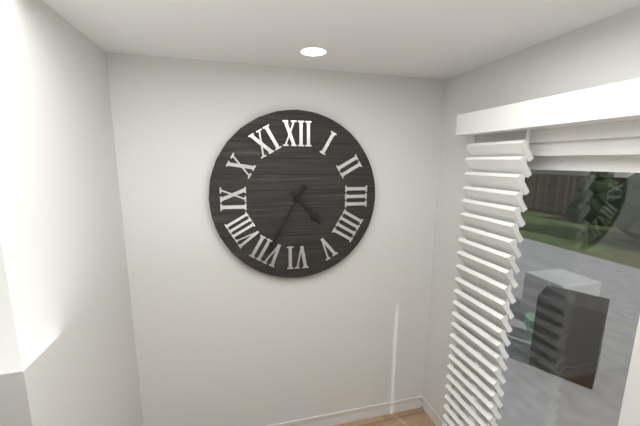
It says 4.35
